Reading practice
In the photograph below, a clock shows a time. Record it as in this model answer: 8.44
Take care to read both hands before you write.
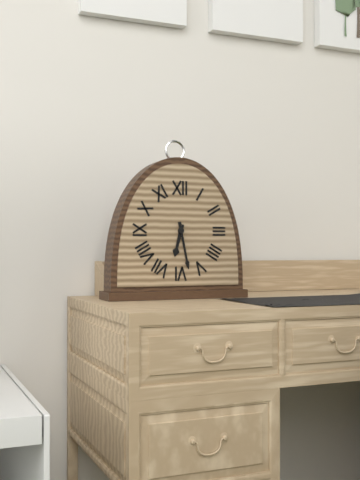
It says 6.28
